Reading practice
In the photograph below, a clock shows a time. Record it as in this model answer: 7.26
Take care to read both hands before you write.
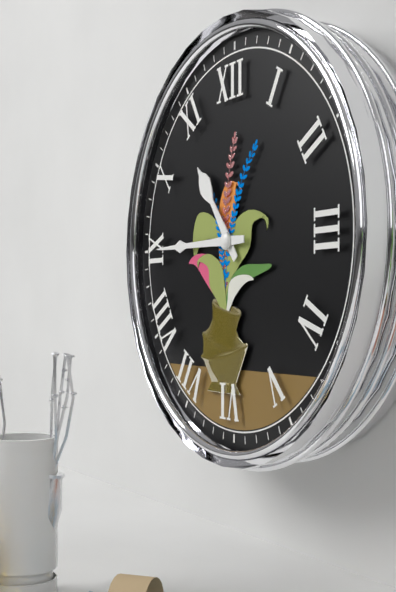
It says 10.45
